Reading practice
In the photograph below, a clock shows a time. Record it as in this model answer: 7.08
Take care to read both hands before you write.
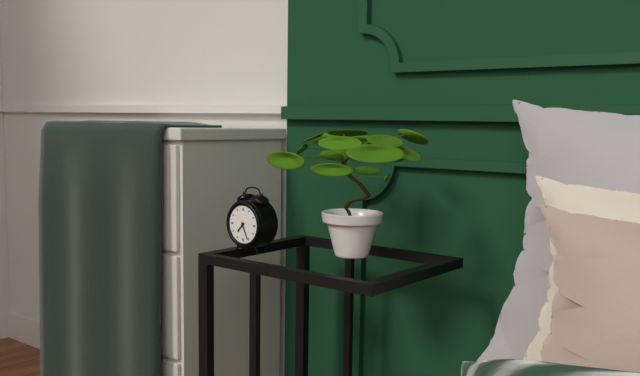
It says 7.26
